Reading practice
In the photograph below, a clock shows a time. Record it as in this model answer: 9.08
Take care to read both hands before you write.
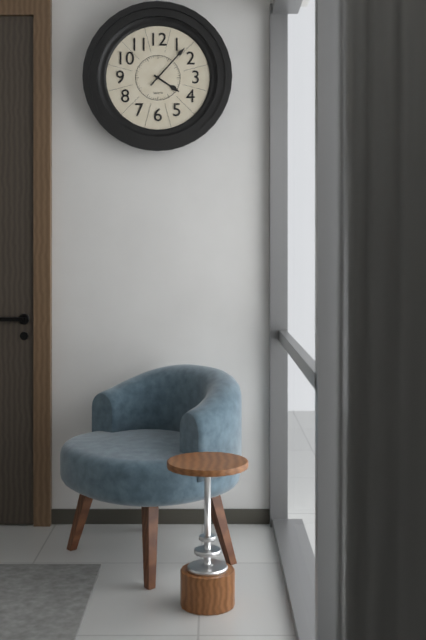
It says 4.07
